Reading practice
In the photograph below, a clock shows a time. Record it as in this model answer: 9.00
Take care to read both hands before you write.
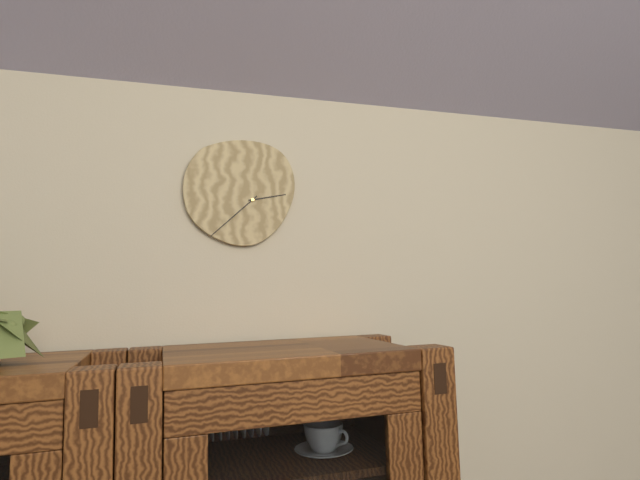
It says 2.38
